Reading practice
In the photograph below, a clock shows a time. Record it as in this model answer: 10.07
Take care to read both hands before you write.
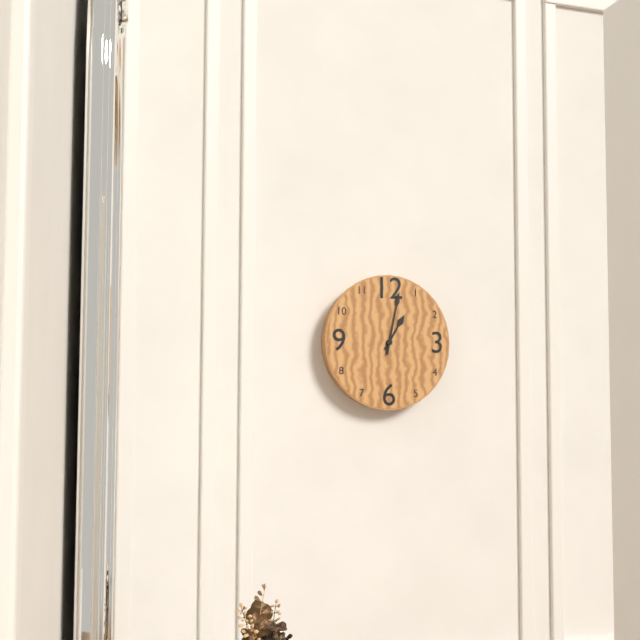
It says 1.02
